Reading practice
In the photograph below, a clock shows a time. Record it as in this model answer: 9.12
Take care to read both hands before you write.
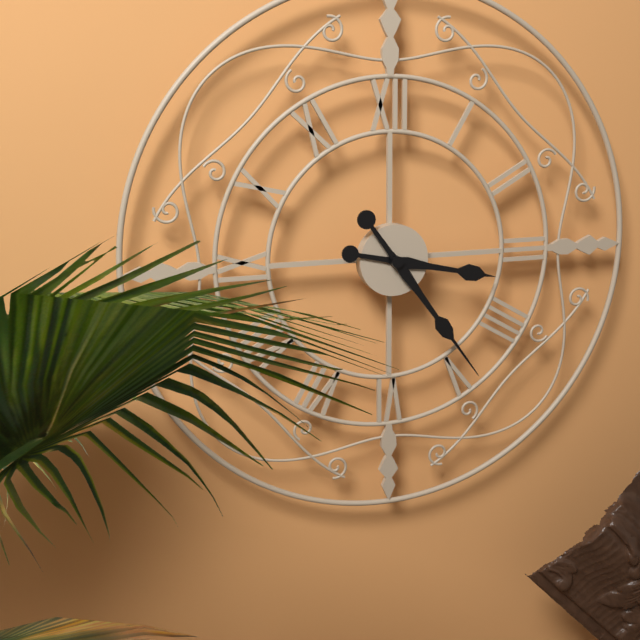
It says 3.24
